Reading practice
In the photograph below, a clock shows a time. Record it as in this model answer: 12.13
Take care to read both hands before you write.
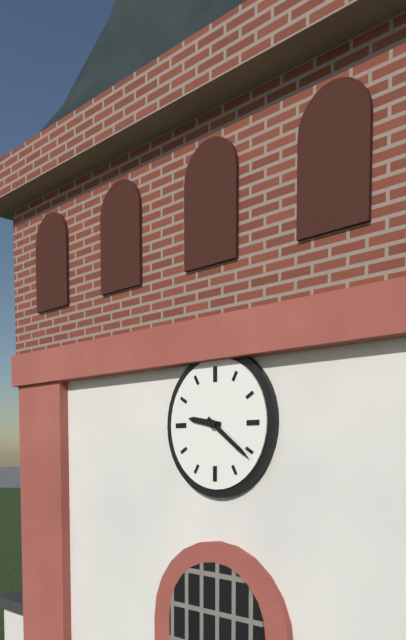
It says 9.21
